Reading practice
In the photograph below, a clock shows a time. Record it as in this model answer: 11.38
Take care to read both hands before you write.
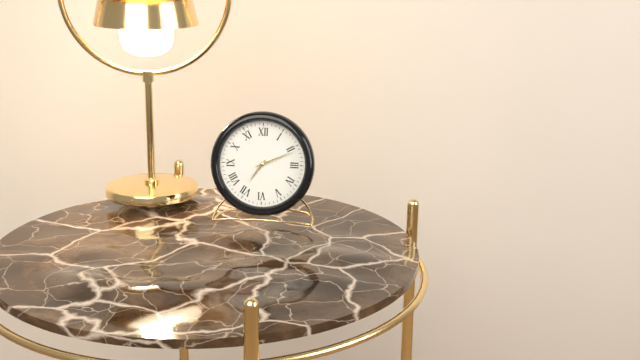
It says 7.11
